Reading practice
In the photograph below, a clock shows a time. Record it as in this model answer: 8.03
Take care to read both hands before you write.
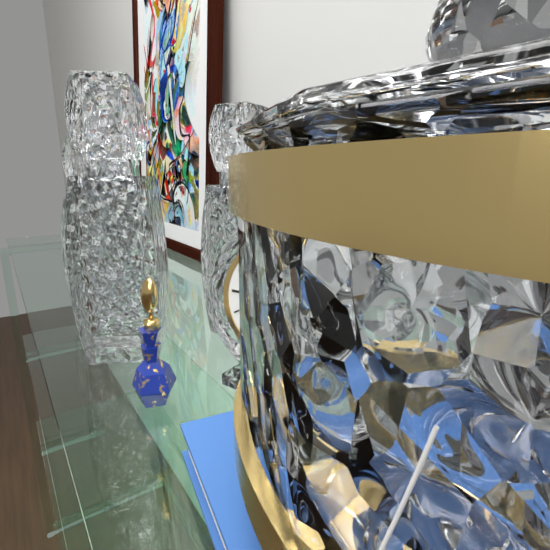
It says 12.17
